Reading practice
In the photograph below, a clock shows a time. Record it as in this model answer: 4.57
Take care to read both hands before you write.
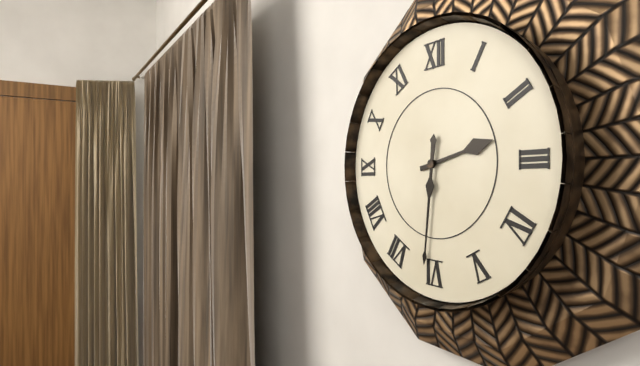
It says 2.31
